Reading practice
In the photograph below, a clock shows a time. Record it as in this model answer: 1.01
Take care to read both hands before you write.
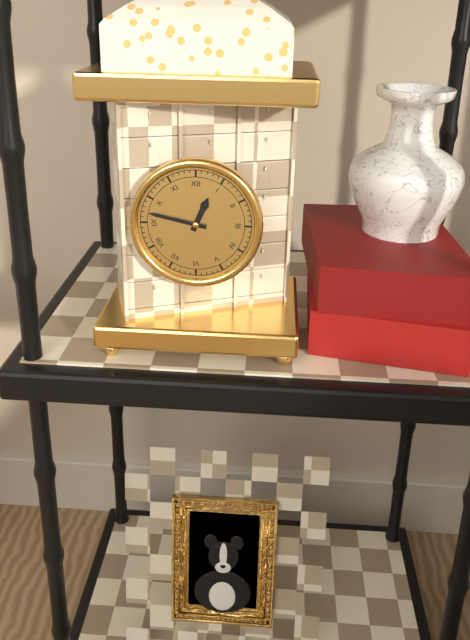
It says 12.47
